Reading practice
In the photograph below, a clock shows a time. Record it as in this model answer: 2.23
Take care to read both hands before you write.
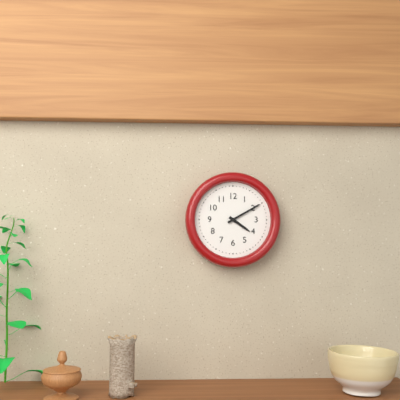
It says 4.10
